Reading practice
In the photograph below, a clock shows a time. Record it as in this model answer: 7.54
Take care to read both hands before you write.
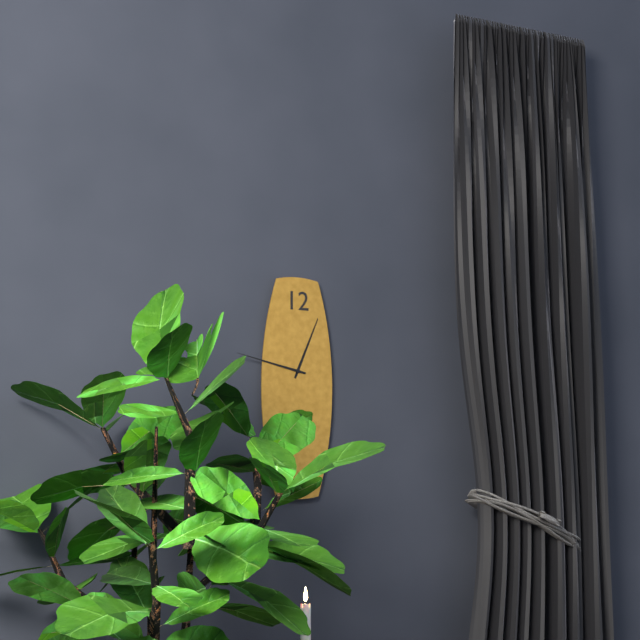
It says 12.47
